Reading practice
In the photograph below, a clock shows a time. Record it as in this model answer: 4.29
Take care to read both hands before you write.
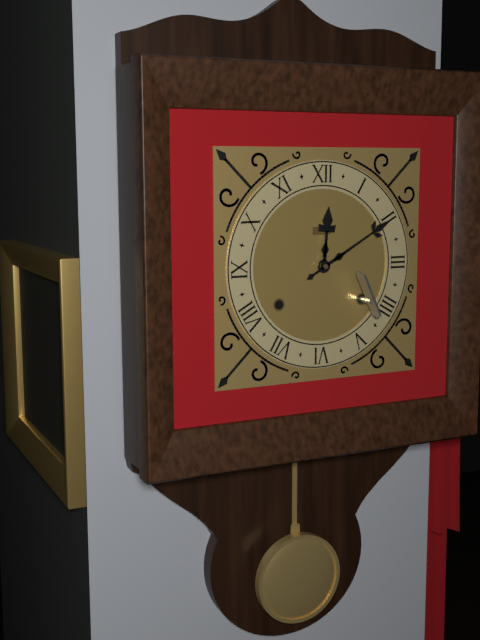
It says 12.10
